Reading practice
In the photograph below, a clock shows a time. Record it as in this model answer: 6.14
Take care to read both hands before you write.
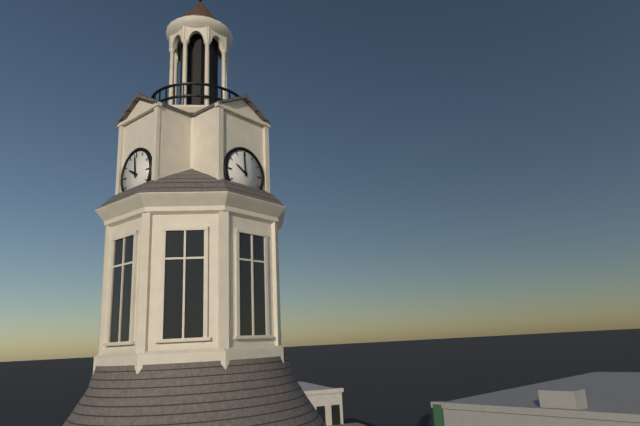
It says 9.59
